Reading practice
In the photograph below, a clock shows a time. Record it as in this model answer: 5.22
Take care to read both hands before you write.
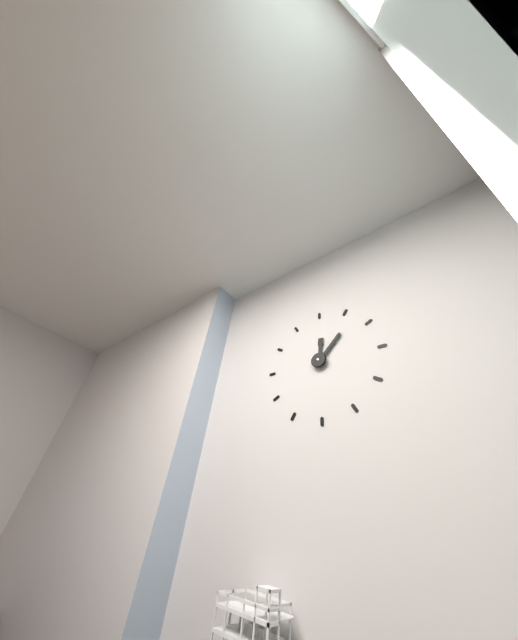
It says 12.07
